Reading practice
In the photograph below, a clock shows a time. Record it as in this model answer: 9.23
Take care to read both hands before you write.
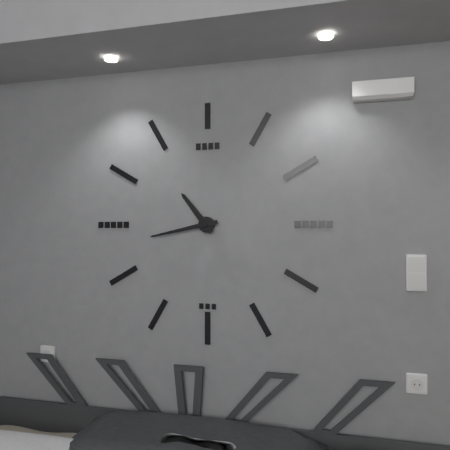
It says 10.43
